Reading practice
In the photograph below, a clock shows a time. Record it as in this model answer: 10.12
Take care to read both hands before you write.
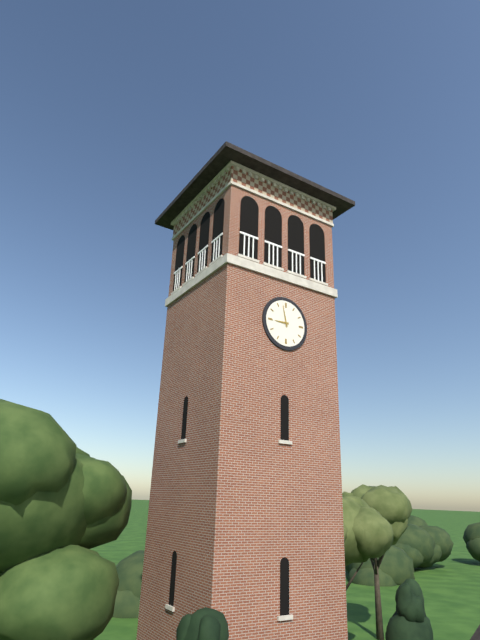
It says 8.58
